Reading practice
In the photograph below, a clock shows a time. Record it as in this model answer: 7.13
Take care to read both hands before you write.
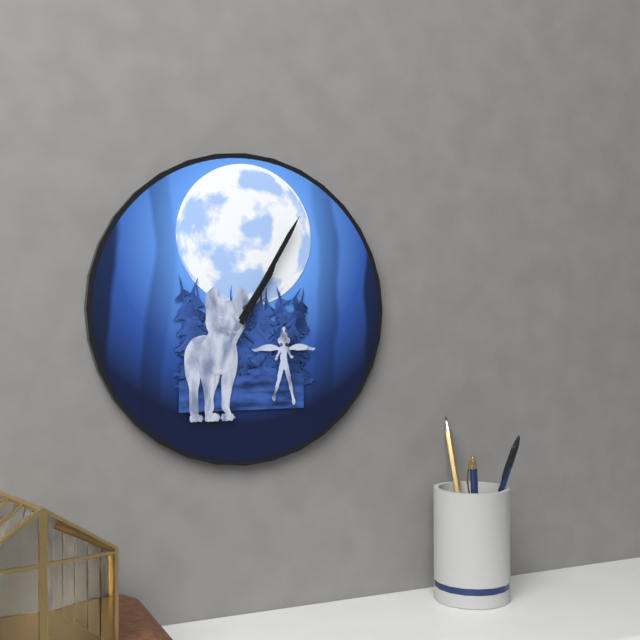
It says 1.05
